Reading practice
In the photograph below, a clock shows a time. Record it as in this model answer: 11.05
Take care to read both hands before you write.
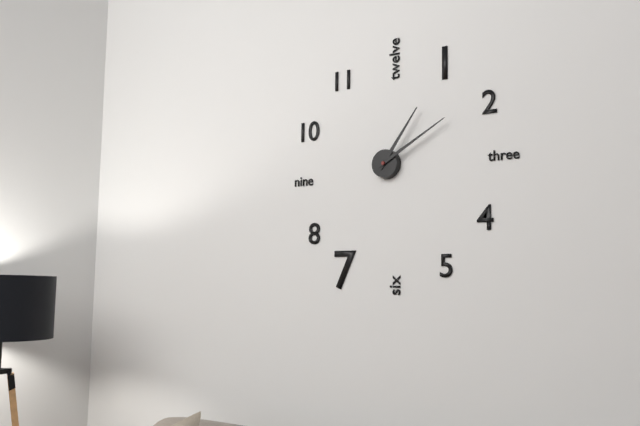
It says 1.10
